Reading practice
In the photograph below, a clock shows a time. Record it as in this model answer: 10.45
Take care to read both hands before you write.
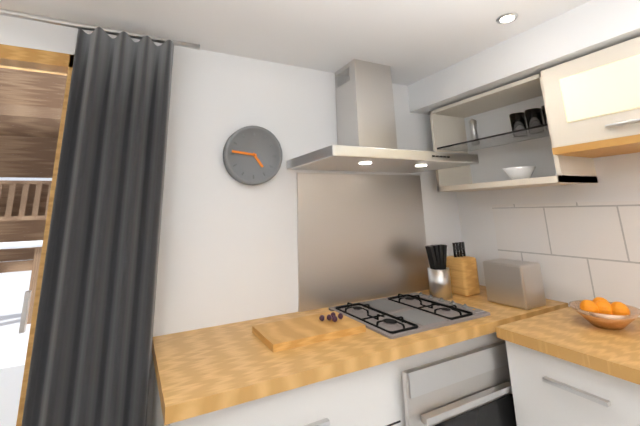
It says 4.46
